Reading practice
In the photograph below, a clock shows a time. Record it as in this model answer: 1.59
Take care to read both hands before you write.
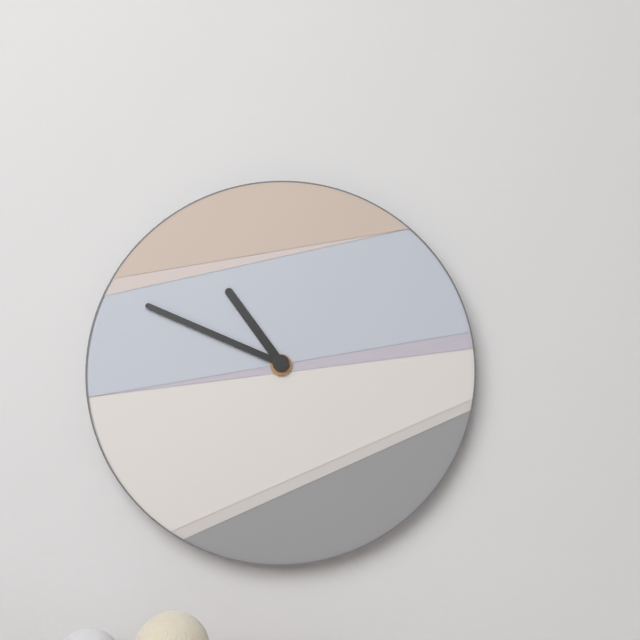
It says 10.49
